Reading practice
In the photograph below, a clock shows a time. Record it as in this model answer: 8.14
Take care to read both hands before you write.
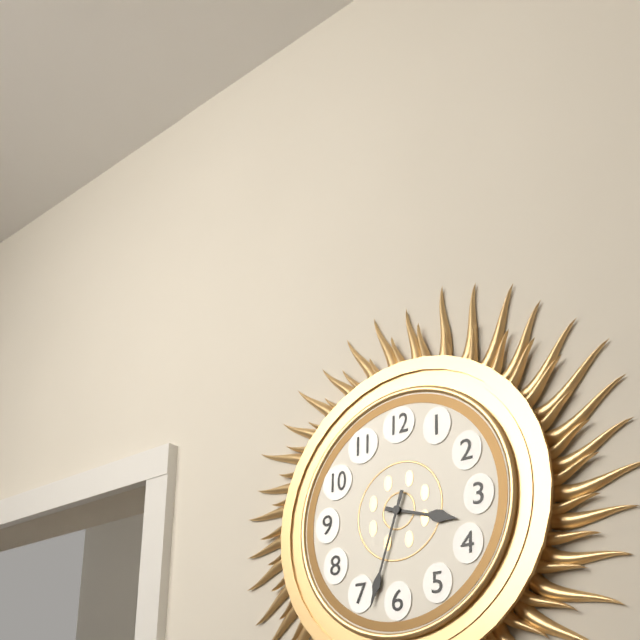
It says 3.33
